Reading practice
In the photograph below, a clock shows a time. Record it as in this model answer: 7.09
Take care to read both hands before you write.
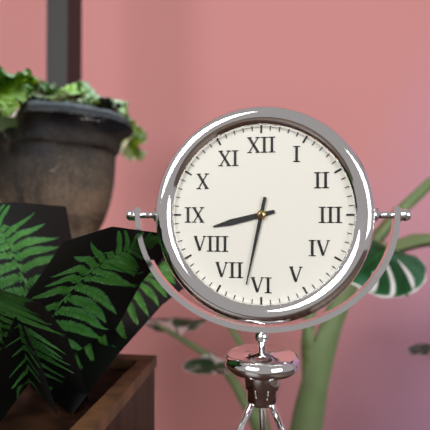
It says 8.32
